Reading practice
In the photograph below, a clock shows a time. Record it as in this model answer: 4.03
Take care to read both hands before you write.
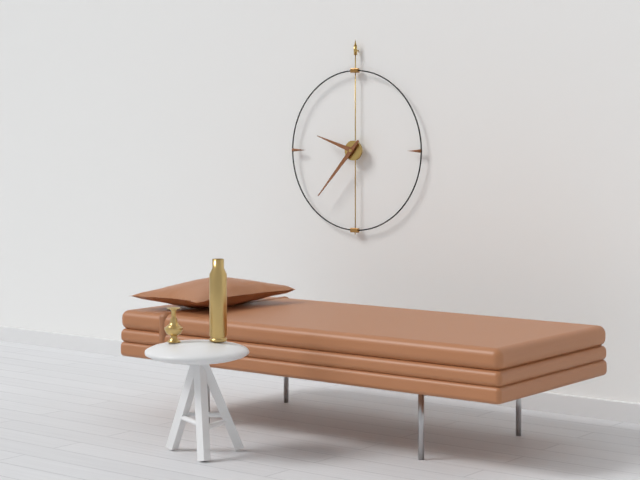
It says 9.37
